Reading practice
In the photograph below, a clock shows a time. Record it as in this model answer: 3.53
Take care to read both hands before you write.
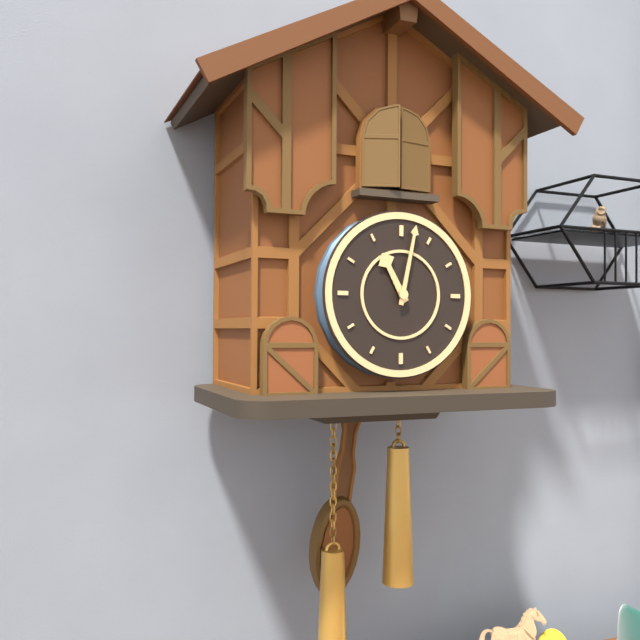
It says 11.02
